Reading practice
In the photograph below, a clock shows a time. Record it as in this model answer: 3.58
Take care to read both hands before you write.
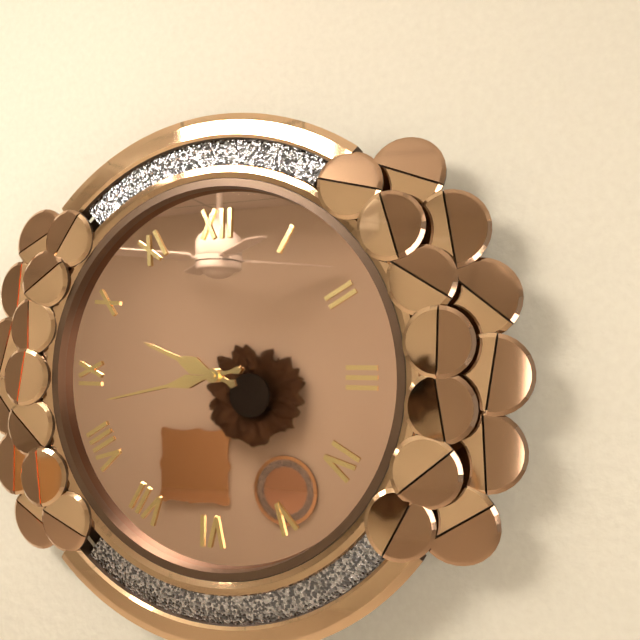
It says 9.43
